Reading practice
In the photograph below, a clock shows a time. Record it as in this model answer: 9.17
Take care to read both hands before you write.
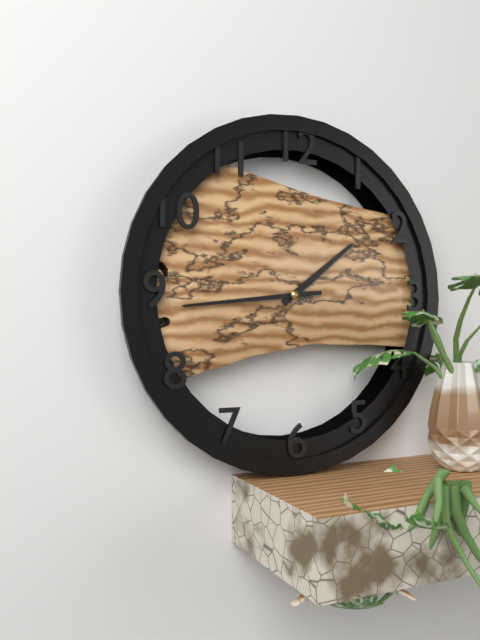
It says 1.44
